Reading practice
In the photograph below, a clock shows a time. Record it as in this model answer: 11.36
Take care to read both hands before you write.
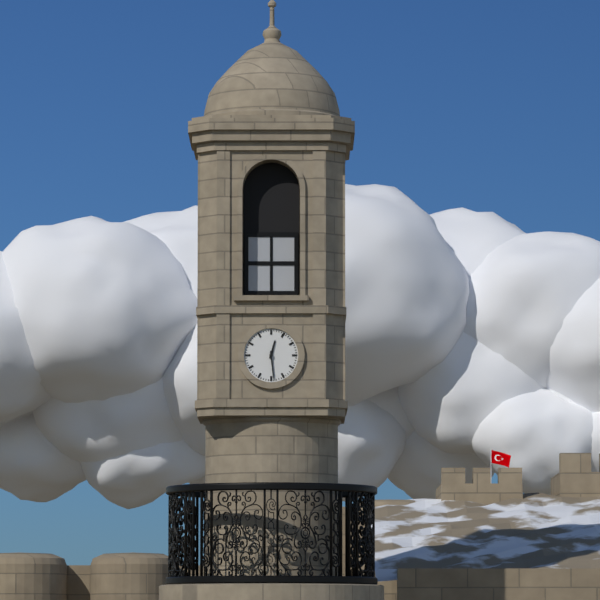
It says 12.29
